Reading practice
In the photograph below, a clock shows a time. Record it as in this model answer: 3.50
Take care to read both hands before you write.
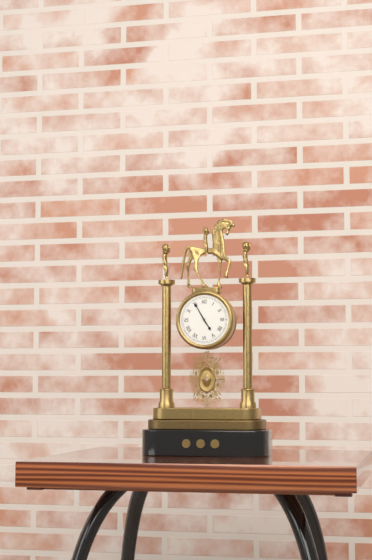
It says 4.55
